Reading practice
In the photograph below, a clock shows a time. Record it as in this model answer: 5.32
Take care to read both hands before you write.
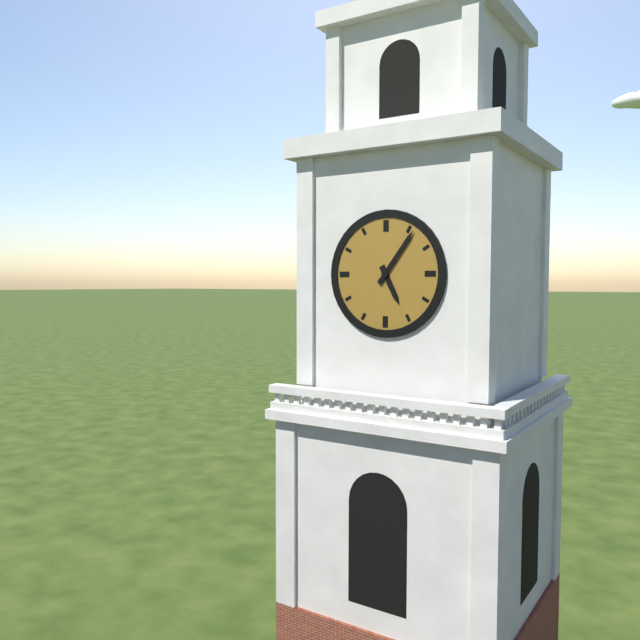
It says 5.06
